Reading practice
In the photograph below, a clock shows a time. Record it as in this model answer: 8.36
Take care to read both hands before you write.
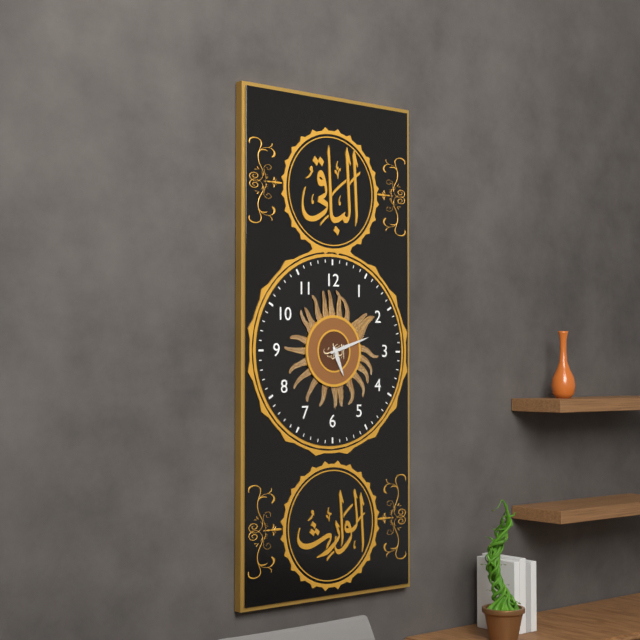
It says 5.12
